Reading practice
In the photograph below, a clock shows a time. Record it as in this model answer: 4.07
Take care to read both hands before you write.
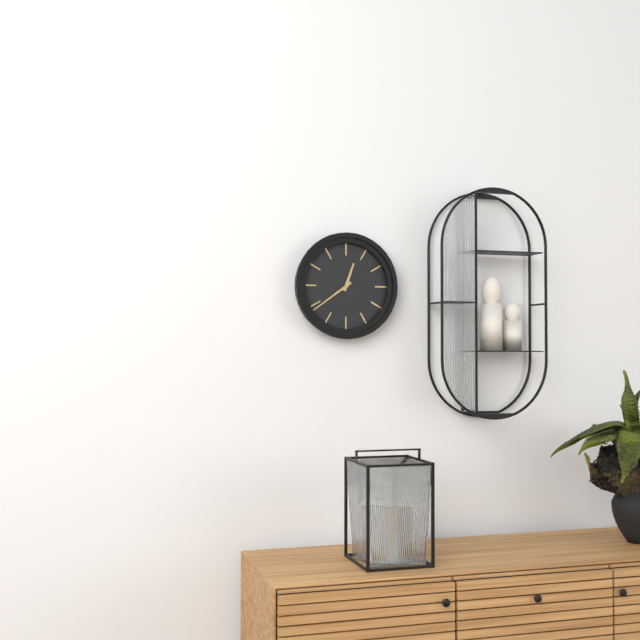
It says 12.39
